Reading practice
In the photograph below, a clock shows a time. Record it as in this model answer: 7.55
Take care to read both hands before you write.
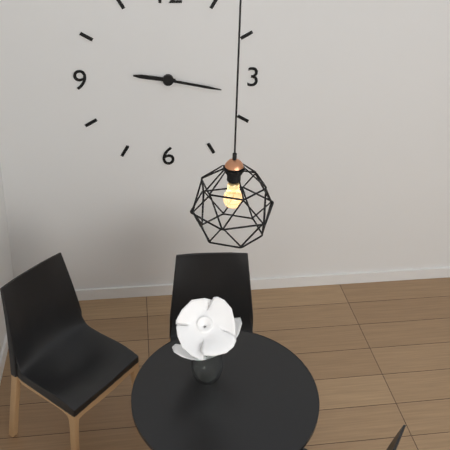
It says 9.17
